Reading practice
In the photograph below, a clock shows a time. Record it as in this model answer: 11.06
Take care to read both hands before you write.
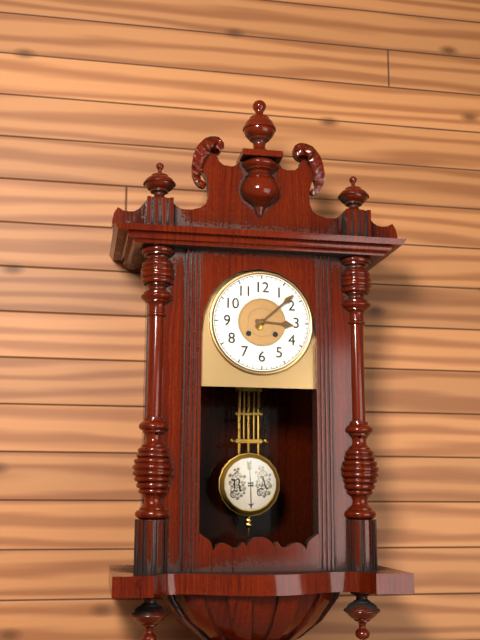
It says 3.08
